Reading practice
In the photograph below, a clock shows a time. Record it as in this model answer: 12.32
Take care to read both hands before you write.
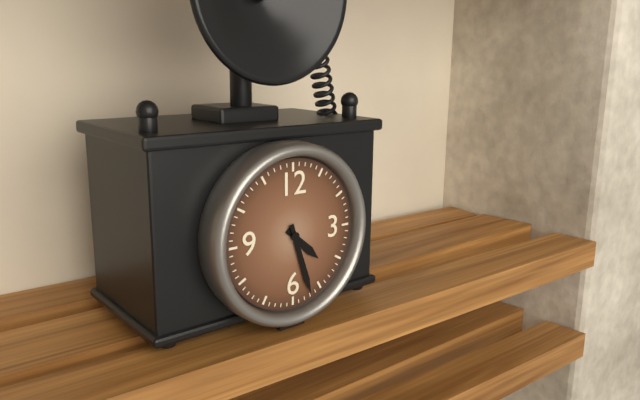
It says 4.27
